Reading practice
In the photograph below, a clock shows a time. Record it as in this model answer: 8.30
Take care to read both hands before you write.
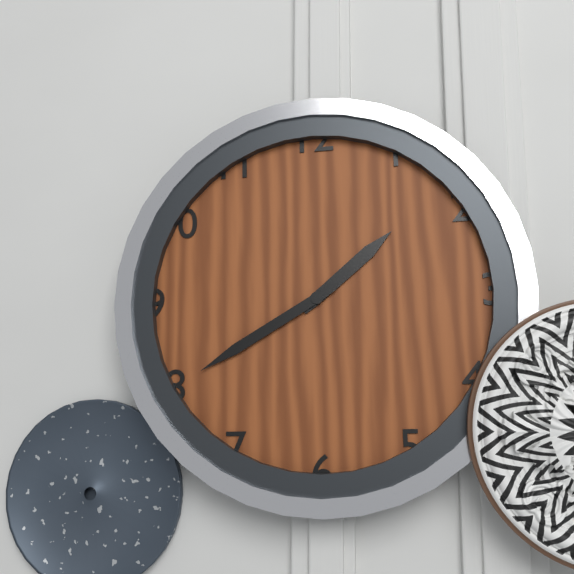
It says 1.40
